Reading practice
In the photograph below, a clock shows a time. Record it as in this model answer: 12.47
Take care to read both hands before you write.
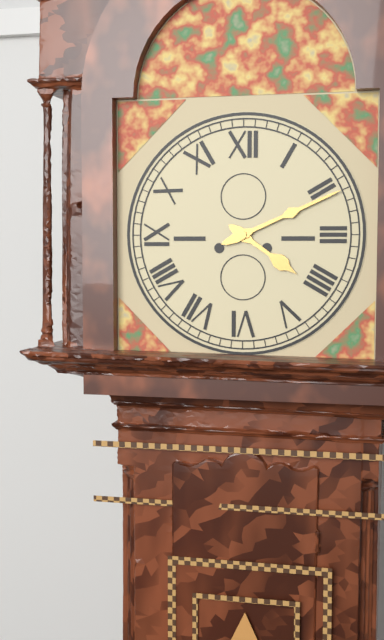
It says 4.11
